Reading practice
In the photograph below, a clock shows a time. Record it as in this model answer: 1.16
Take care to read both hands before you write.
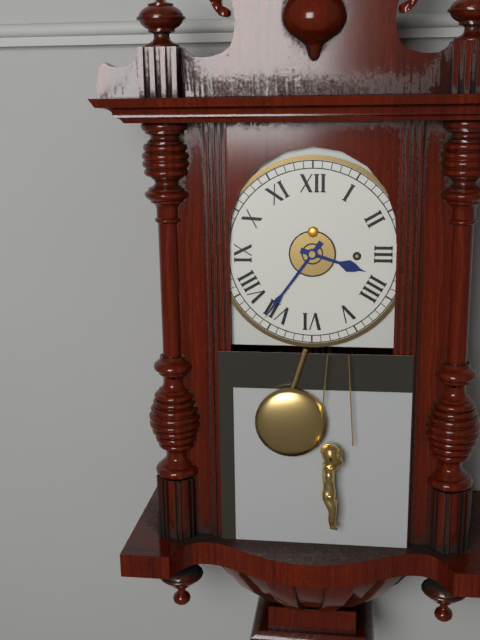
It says 3.36
